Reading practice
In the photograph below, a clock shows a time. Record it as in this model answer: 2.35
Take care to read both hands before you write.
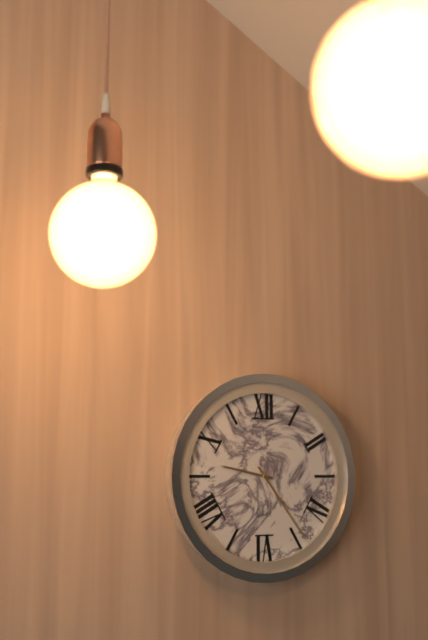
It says 9.24
